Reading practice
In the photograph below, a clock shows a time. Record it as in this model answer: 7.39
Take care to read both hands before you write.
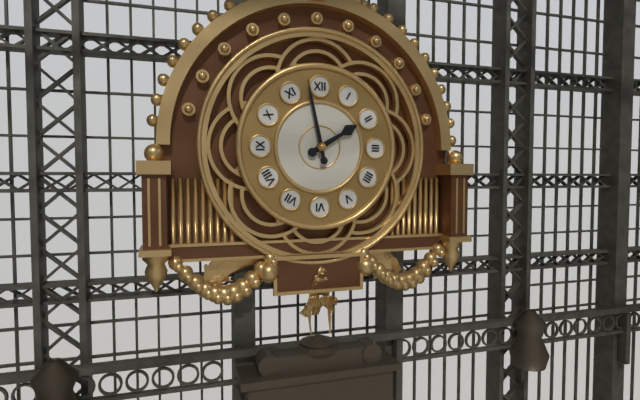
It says 1.58
